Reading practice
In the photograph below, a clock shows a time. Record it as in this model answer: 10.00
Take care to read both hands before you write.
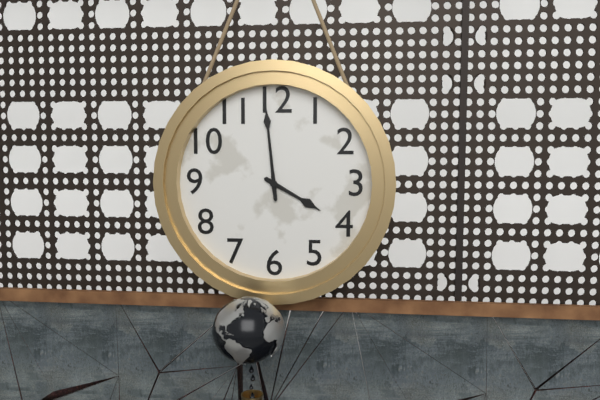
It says 3.59
